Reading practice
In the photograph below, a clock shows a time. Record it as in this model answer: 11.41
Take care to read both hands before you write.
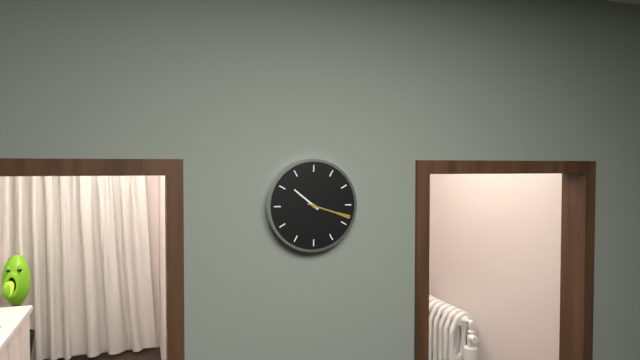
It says 10.18
